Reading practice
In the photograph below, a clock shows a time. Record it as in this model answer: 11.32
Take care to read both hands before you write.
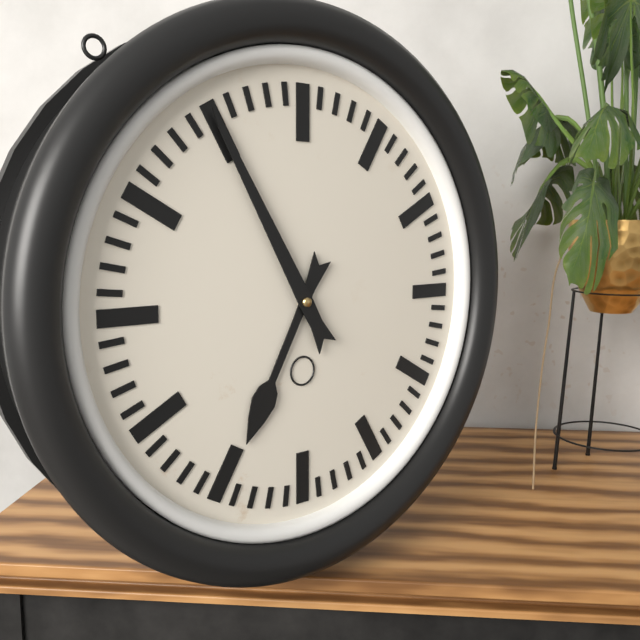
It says 6.55
